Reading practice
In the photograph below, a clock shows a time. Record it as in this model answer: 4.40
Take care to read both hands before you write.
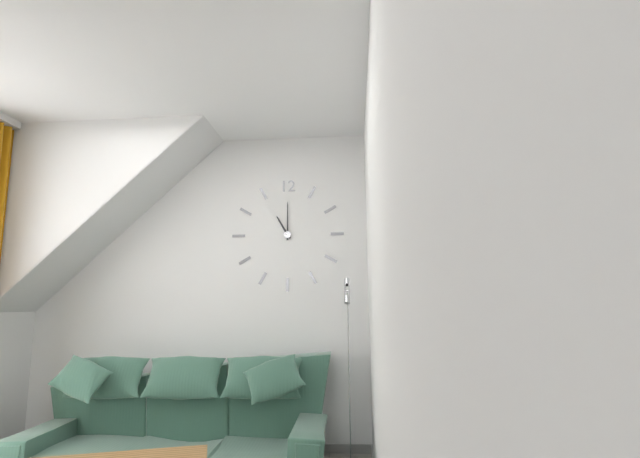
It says 11.00
